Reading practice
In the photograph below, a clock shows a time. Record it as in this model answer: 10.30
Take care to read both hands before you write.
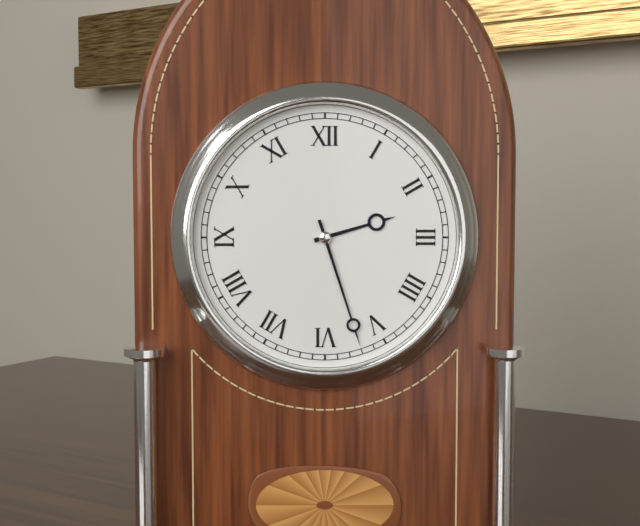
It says 2.27
